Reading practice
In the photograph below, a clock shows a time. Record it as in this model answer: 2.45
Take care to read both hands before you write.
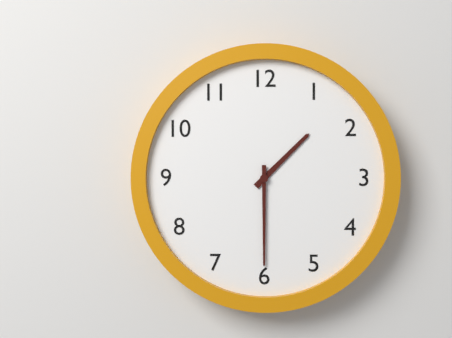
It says 1.30
